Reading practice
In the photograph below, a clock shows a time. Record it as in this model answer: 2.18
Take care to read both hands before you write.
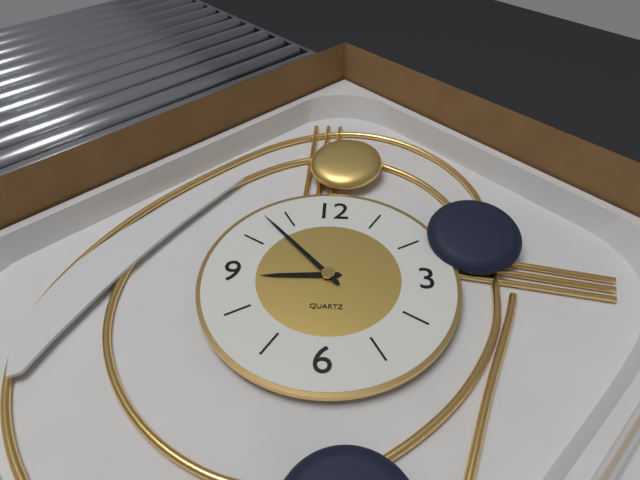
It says 8.53
